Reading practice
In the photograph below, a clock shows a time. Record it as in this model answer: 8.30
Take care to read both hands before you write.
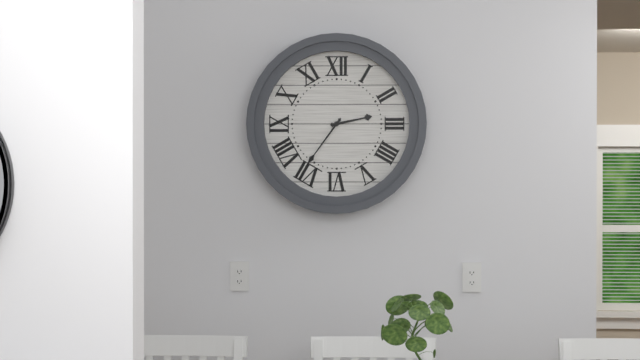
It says 2.36
